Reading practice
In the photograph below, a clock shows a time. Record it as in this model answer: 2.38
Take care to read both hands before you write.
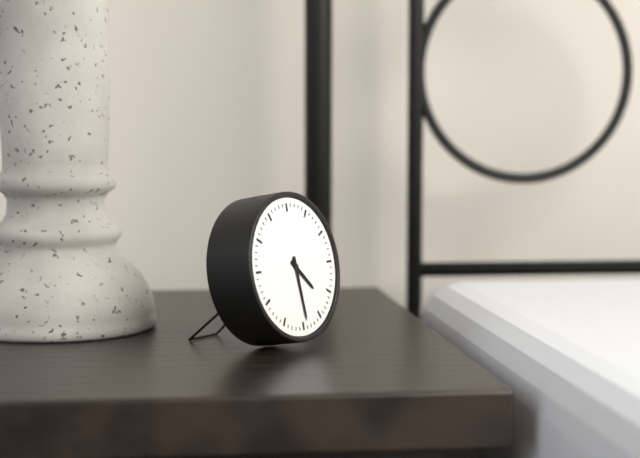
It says 4.29
